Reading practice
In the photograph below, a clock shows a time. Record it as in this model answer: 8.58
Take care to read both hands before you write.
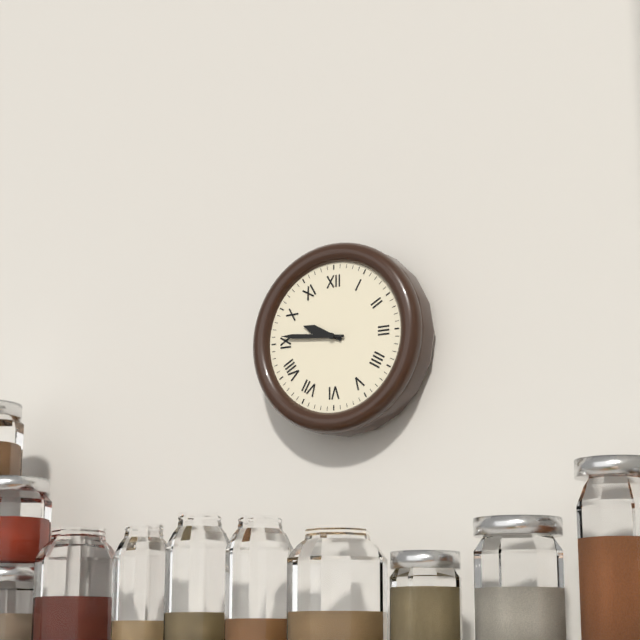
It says 9.46
